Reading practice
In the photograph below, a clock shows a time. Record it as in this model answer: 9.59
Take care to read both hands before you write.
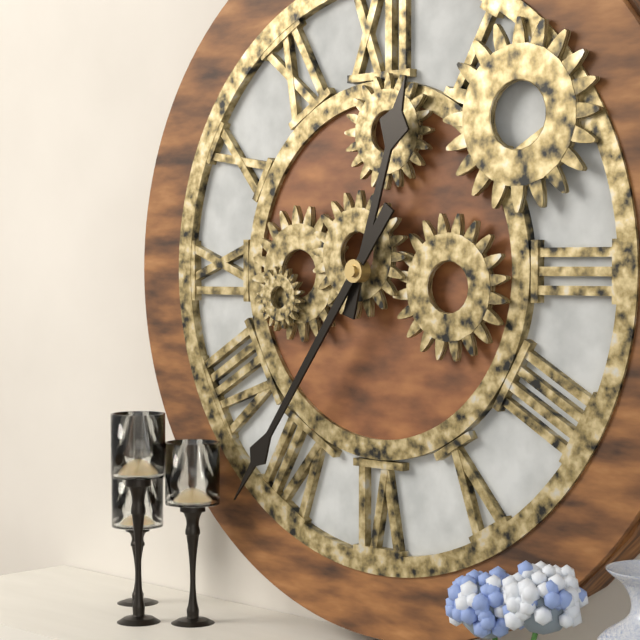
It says 12.36
